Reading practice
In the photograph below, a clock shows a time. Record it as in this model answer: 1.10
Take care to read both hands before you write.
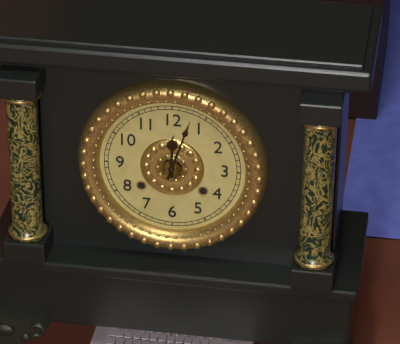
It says 12.03
